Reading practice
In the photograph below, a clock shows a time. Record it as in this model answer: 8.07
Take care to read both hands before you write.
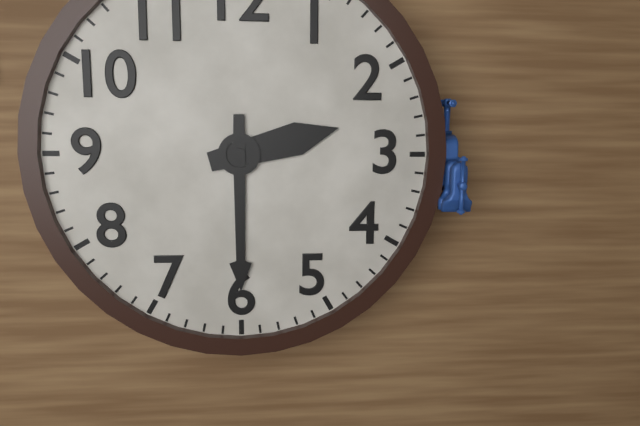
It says 2.30
